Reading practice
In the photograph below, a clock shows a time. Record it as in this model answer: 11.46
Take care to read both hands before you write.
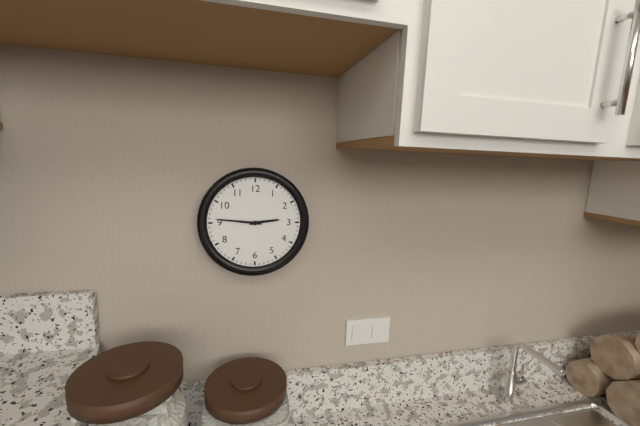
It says 2.46
